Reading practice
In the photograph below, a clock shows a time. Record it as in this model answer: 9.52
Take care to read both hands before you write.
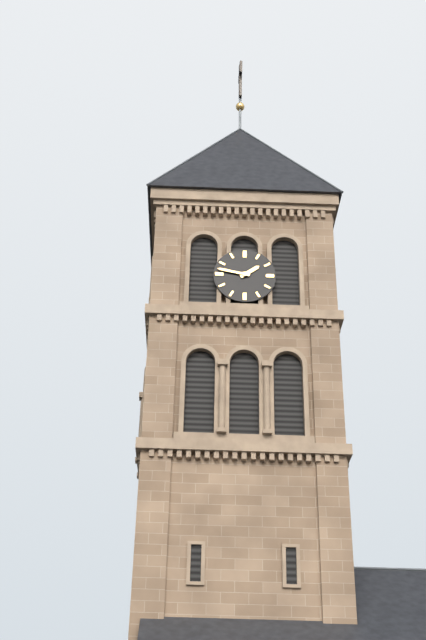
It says 1.47
